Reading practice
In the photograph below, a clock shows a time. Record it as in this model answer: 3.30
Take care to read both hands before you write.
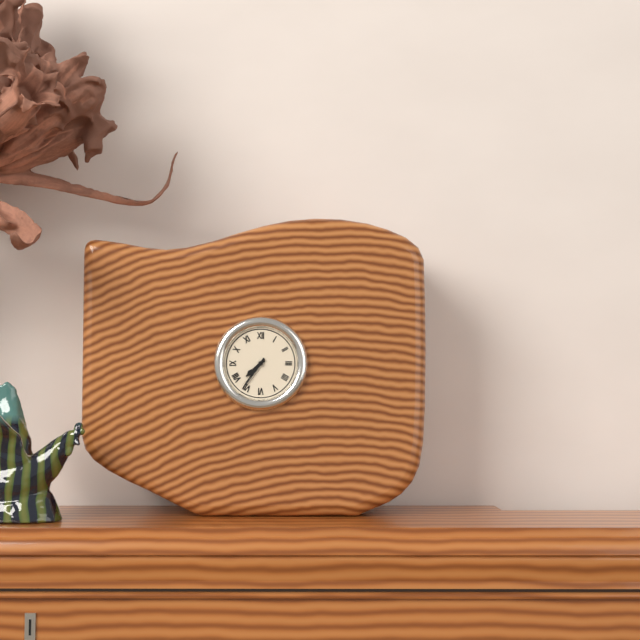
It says 7.36
